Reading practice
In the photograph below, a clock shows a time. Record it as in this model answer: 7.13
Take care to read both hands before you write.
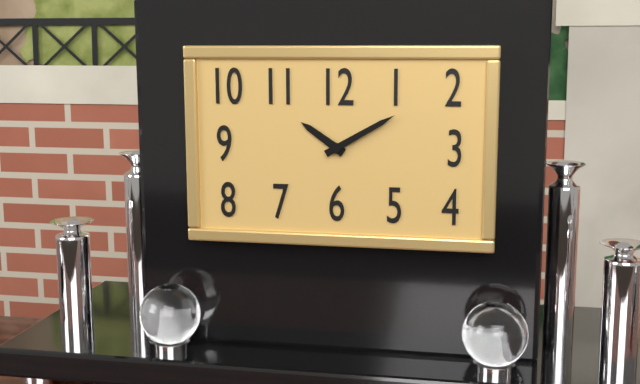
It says 10.10
